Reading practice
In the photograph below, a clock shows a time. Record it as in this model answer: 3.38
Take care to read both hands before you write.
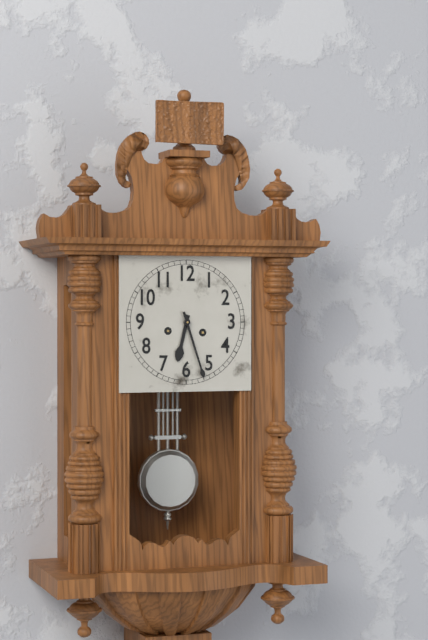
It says 6.27
